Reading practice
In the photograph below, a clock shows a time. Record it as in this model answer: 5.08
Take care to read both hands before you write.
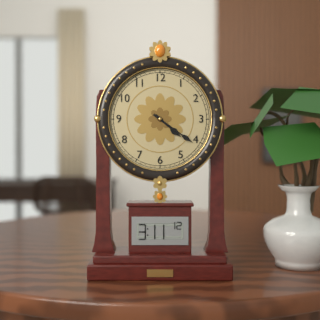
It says 4.21
